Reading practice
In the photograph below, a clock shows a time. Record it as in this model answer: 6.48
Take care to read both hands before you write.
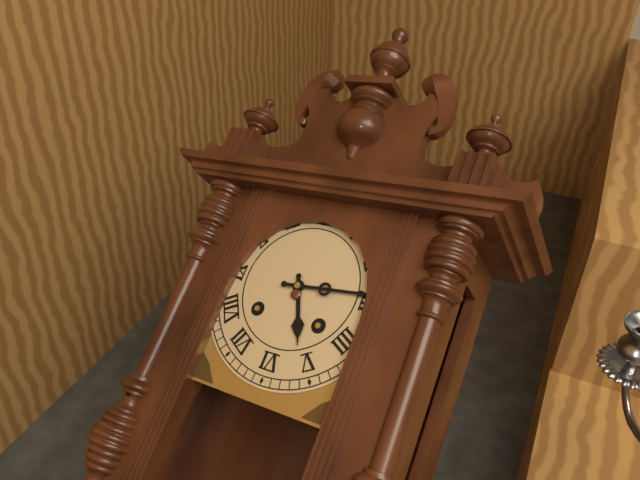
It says 5.14
